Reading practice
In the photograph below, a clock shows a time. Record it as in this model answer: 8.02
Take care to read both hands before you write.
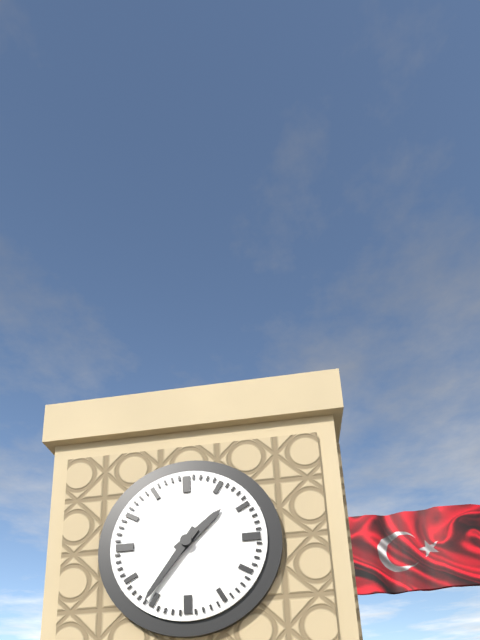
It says 1.36
